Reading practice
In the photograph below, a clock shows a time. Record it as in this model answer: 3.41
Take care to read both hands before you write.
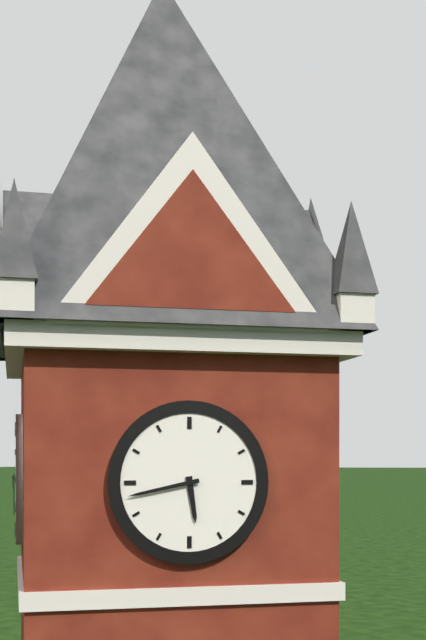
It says 5.43
